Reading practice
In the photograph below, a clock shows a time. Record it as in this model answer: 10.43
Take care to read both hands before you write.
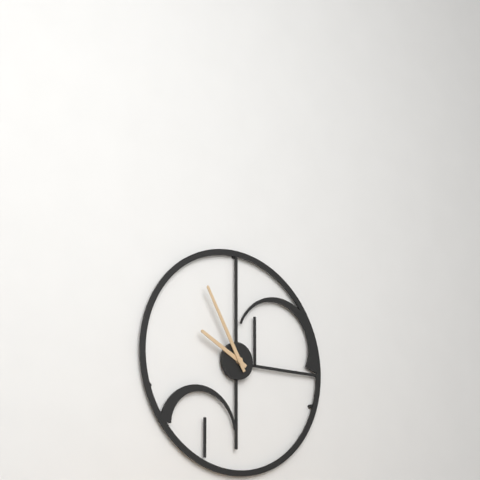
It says 9.55
